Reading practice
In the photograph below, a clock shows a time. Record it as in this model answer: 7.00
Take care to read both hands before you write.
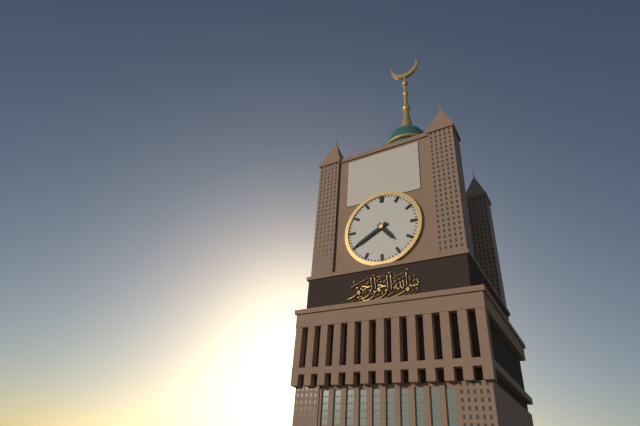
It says 4.40
